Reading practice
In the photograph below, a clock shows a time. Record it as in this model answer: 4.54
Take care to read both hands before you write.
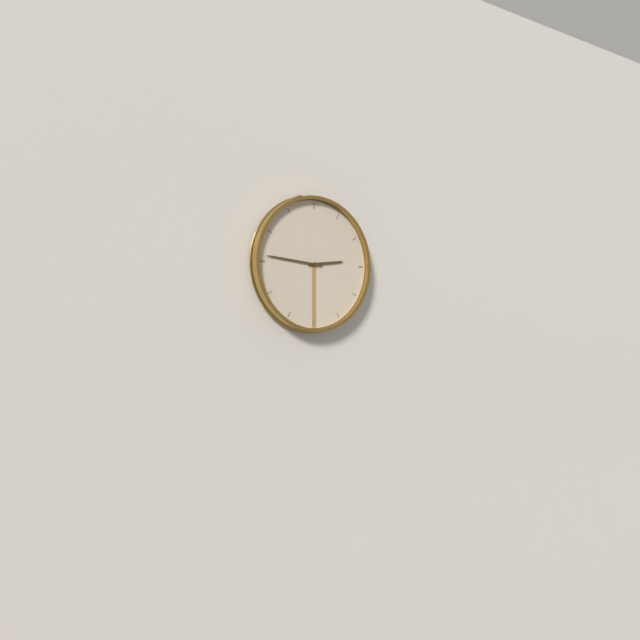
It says 2.46
